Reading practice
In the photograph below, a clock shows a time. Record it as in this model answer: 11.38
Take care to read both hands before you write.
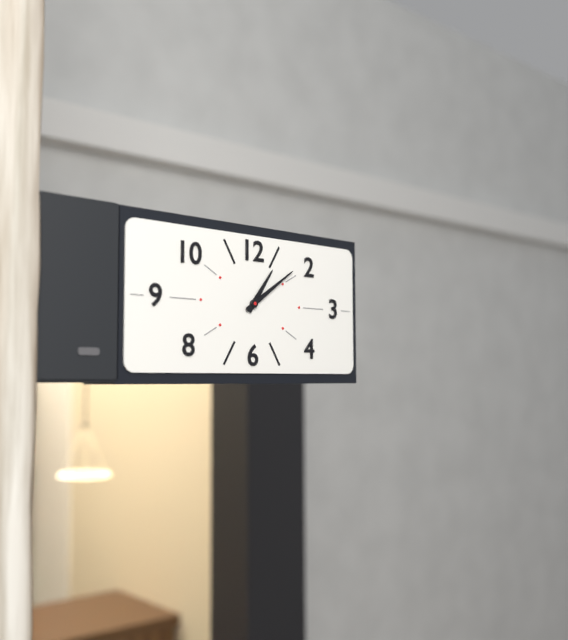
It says 1.09
